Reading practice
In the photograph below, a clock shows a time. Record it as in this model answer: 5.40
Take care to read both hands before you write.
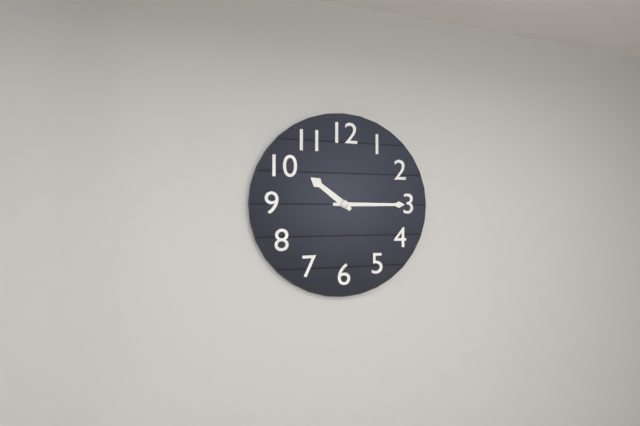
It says 10.15
